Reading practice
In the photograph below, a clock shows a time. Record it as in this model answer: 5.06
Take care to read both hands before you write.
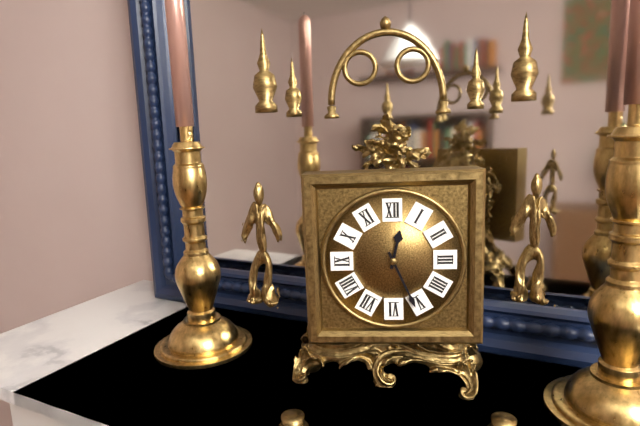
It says 12.26
